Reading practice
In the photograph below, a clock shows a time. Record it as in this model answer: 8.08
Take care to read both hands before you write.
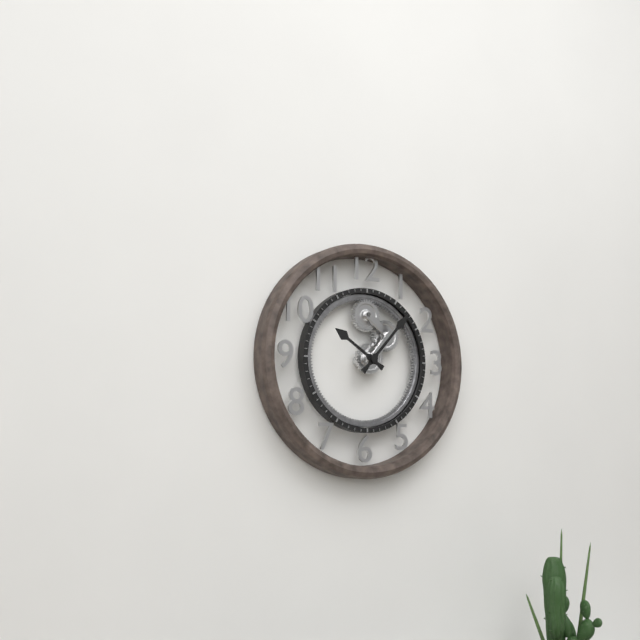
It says 10.07
